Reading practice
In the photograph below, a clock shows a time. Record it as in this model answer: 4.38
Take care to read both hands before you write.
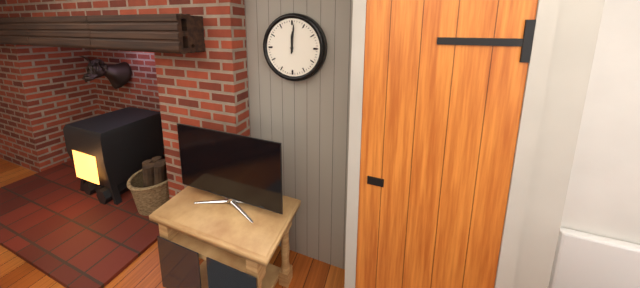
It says 12.01
